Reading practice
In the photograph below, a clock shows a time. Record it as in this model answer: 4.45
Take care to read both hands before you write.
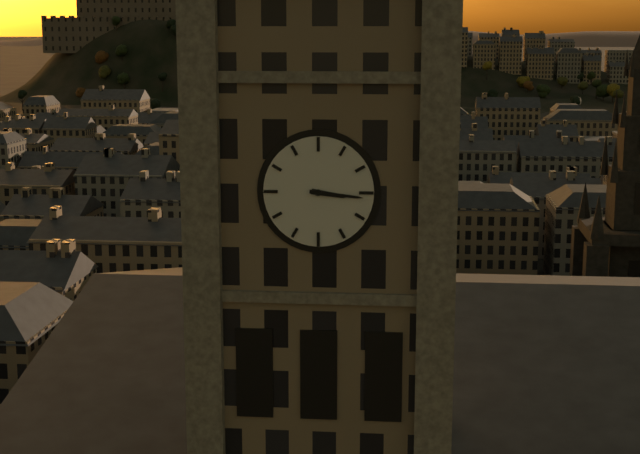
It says 3.16
